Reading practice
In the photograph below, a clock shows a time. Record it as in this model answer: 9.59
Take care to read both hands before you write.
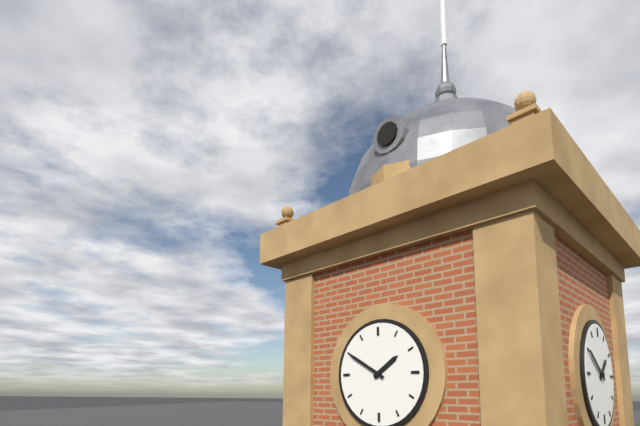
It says 1.50
